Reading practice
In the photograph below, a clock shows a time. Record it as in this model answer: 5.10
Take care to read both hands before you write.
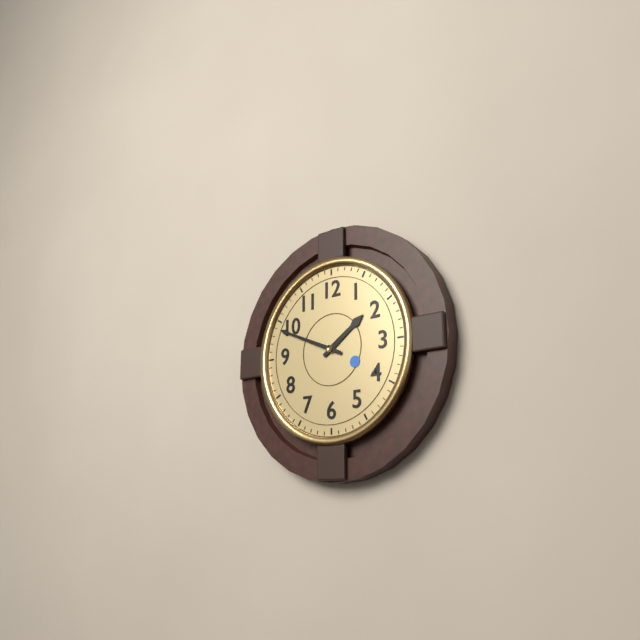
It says 1.49
